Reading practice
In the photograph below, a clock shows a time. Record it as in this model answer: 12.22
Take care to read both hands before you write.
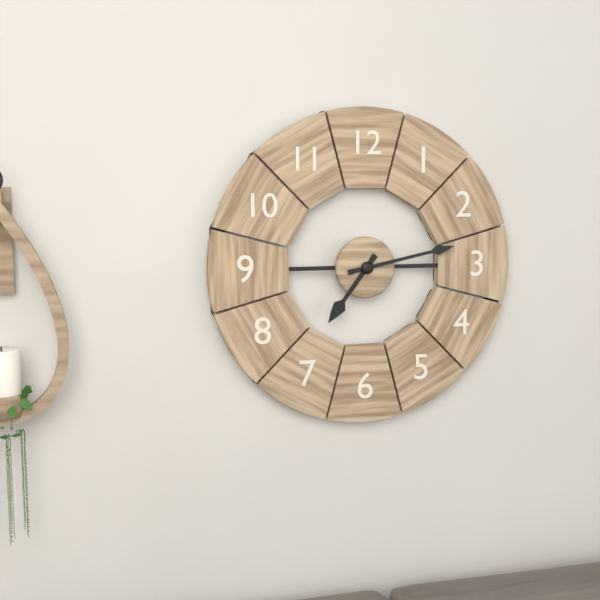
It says 7.13
